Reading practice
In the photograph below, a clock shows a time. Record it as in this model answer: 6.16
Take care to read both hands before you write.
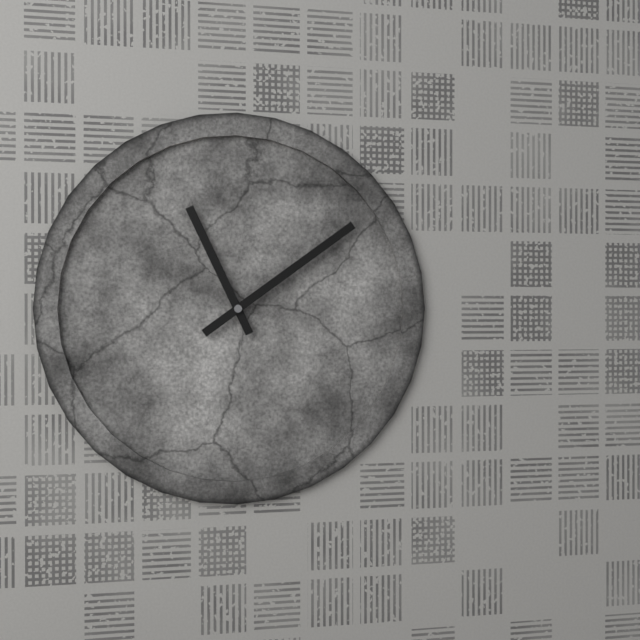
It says 11.09
